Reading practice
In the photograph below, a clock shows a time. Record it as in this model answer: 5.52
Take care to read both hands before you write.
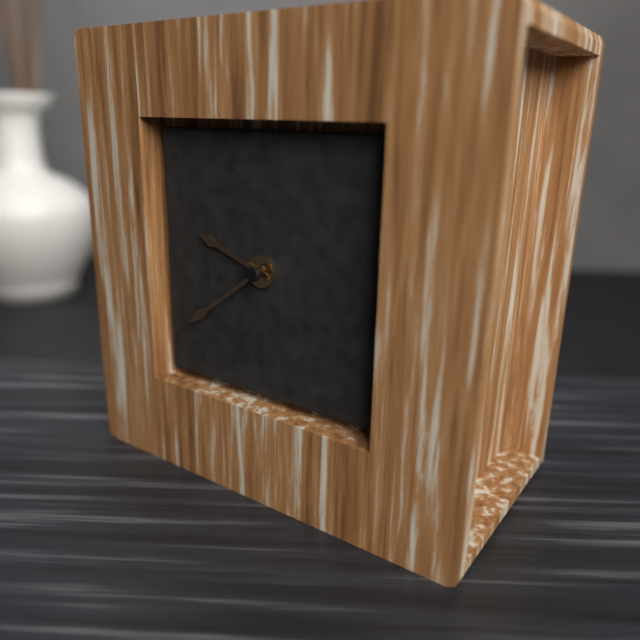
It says 9.39
